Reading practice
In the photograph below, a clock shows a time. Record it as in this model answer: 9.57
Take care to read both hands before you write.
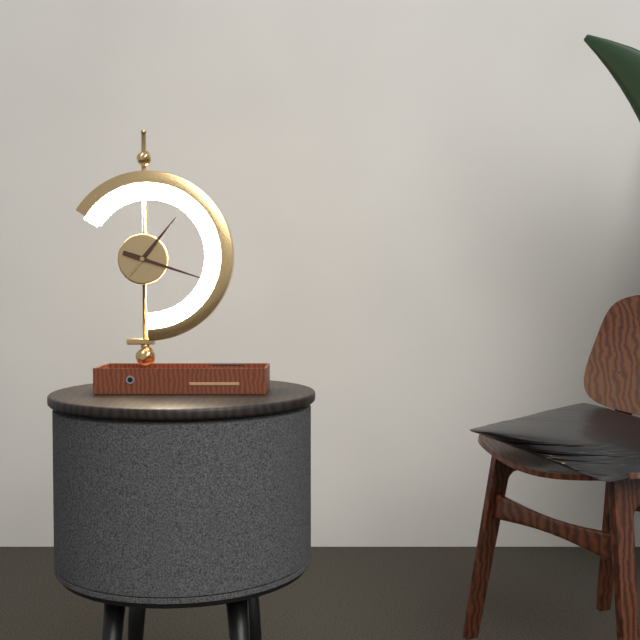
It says 1.18
